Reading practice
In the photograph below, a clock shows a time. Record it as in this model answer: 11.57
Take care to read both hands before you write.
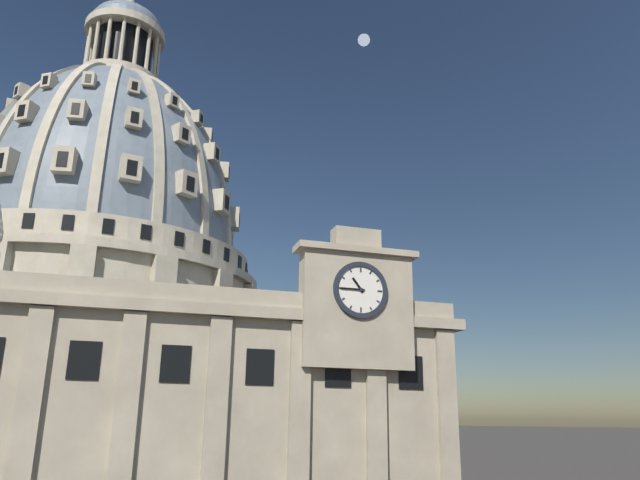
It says 10.45
